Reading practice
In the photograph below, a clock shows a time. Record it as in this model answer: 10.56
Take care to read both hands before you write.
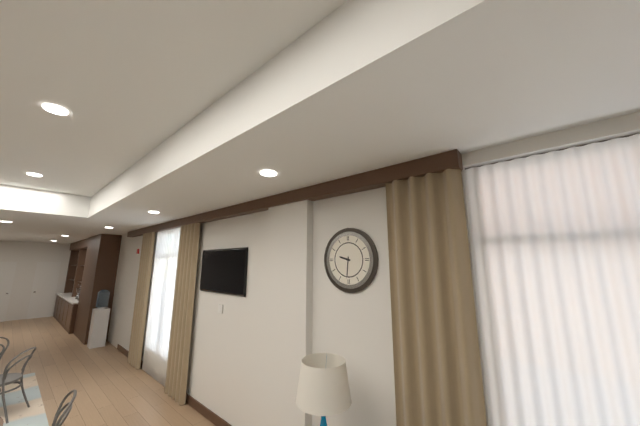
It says 9.31
